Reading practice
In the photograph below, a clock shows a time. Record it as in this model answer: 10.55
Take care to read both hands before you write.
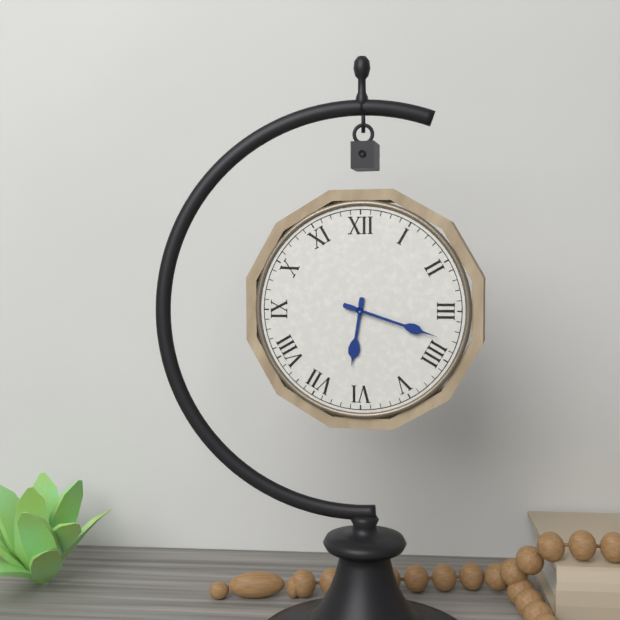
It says 6.18
